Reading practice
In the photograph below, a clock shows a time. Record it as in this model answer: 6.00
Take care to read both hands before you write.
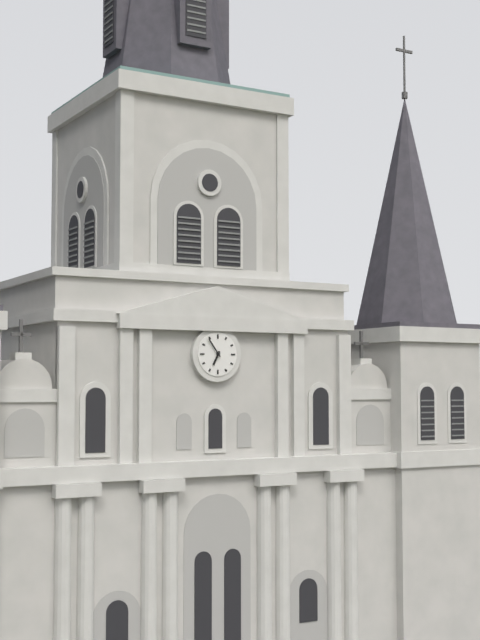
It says 6.54
